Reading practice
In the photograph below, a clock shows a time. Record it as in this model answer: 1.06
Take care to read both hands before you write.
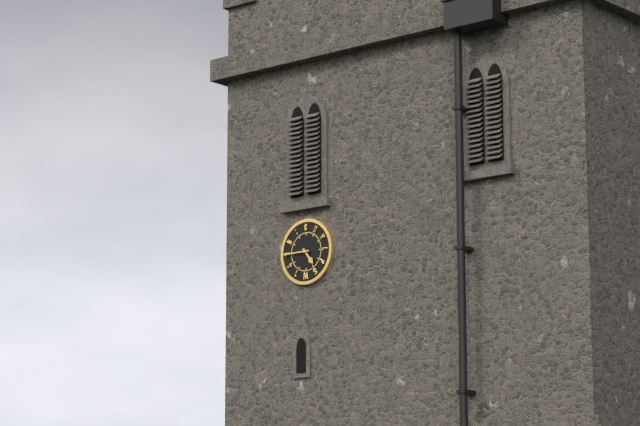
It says 4.45
